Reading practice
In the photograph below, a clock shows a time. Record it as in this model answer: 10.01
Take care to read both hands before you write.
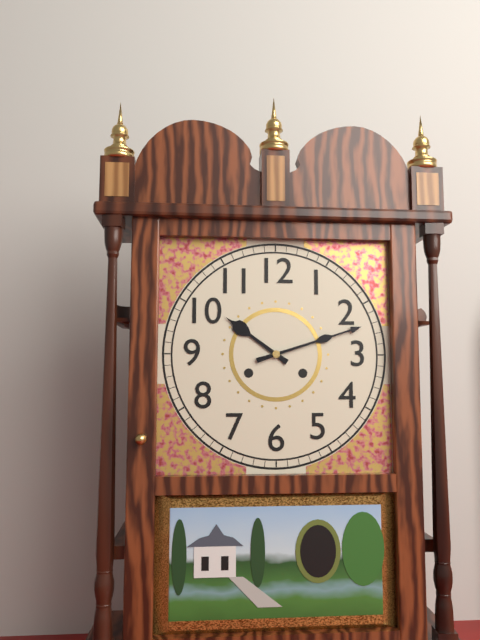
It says 10.12
